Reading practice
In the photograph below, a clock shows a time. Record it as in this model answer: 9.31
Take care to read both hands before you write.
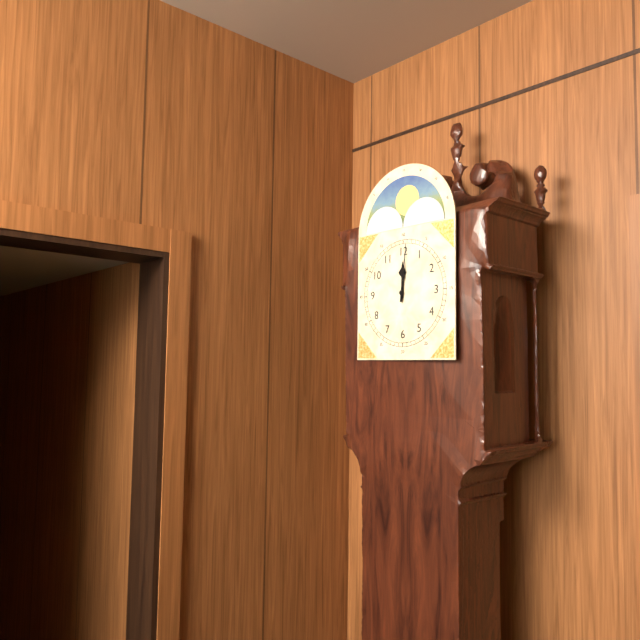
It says 12.01
